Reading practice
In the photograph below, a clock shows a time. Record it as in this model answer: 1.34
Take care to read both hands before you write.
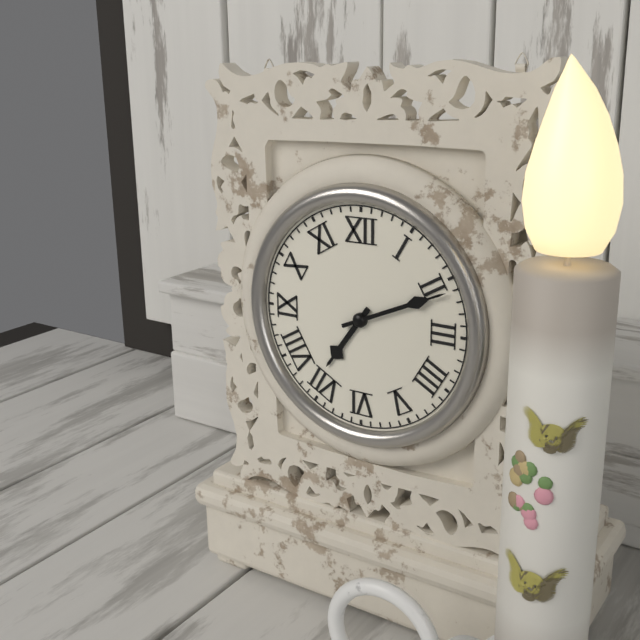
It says 7.11
